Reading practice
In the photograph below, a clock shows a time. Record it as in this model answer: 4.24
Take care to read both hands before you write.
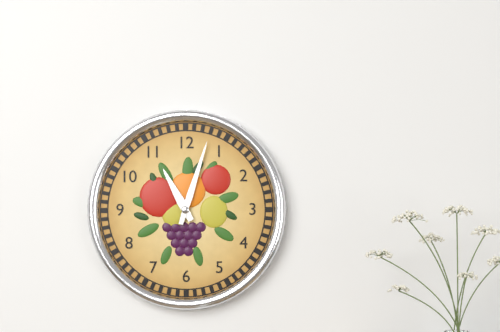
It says 11.03
